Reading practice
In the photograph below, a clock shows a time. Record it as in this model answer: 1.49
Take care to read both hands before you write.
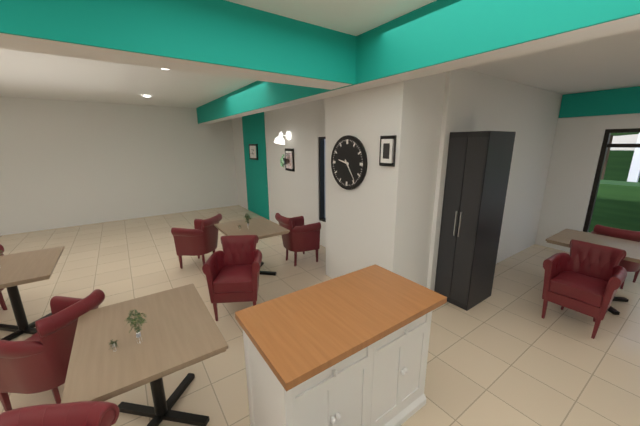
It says 9.24
